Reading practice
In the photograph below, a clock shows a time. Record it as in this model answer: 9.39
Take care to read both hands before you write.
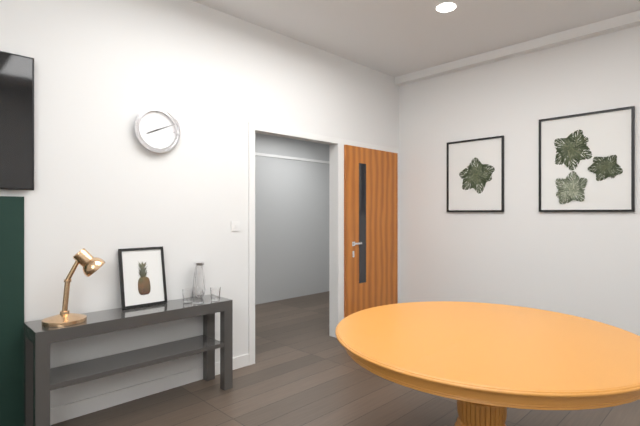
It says 8.11
